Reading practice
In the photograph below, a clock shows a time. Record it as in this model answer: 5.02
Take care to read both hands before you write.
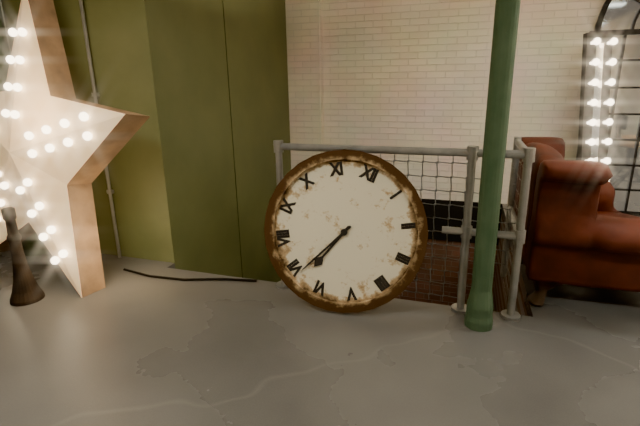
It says 6.34
